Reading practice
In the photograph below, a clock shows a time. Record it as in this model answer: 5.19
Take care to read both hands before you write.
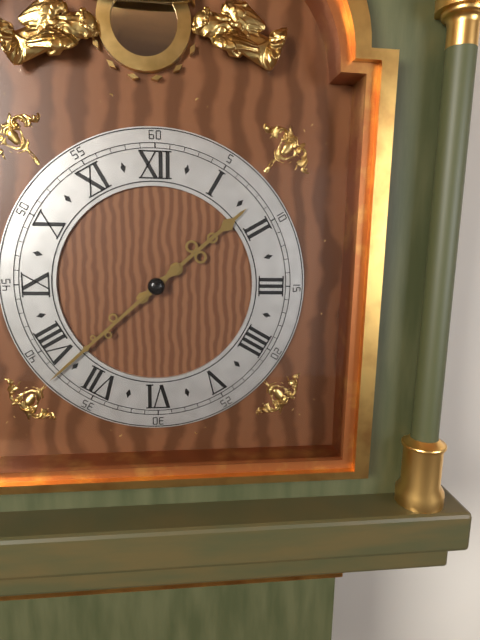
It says 1.38
